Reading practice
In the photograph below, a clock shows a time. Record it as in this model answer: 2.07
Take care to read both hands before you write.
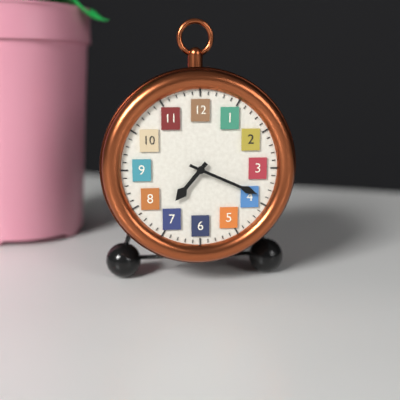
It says 7.19
